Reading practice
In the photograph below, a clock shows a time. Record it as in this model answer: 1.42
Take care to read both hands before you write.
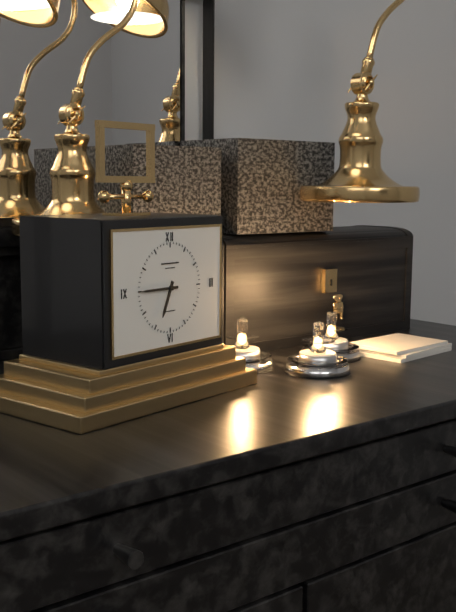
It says 6.45
